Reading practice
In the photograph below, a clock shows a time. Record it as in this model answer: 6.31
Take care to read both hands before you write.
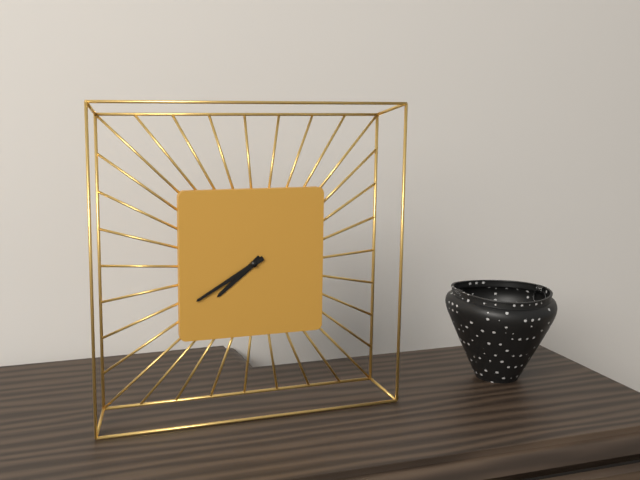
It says 7.40
